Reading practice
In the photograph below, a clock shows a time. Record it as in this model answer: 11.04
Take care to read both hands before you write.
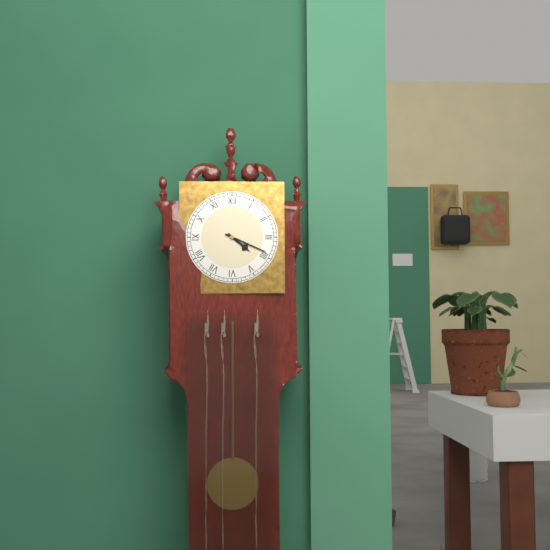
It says 4.19
